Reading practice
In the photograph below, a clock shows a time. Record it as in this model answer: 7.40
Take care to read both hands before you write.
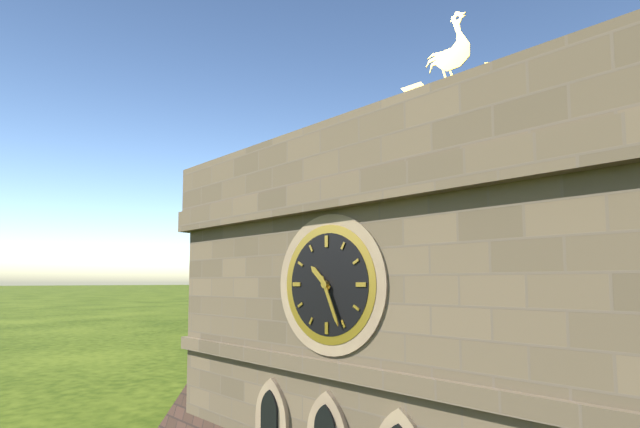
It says 10.26
